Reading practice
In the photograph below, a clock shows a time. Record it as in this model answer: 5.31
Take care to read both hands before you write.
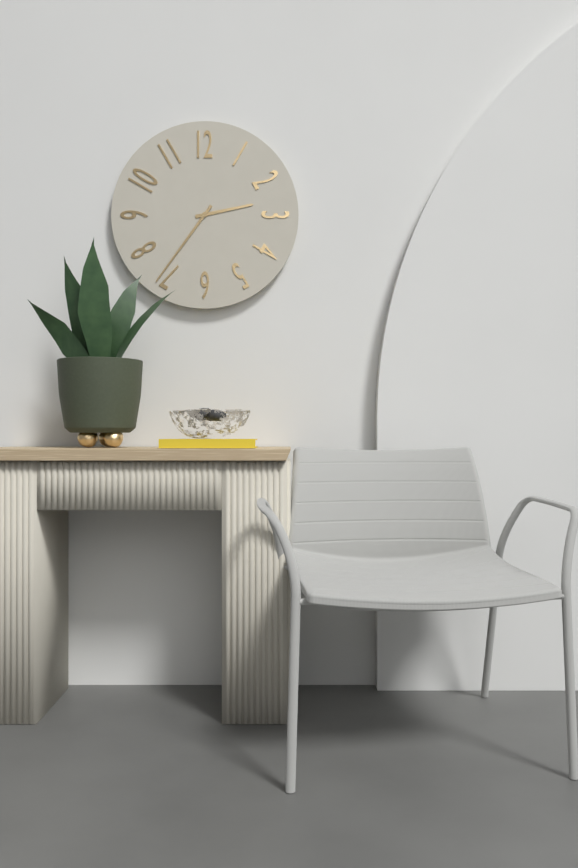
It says 2.36
